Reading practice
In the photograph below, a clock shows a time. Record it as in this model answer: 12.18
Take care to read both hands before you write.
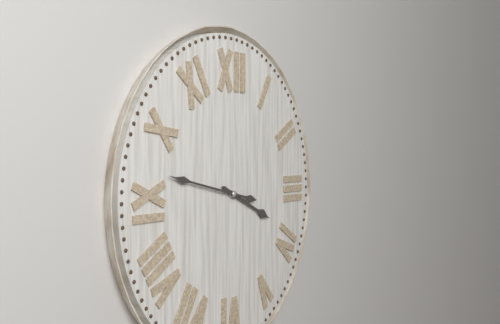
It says 3.47
